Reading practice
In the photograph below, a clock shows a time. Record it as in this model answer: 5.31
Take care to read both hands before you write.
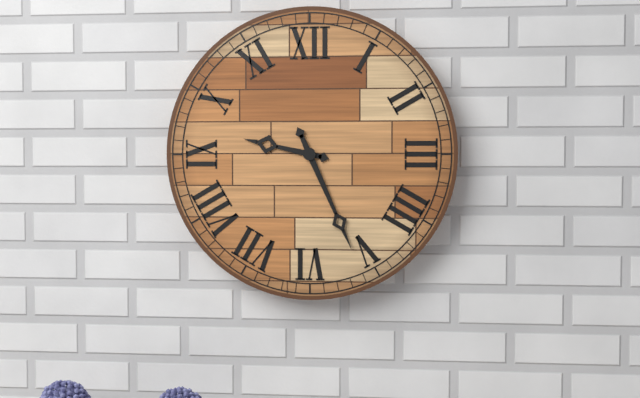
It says 9.26
